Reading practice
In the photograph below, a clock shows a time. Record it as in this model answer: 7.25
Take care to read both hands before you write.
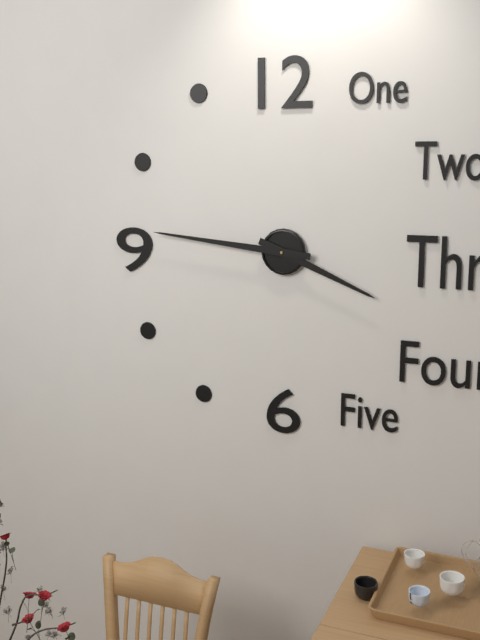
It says 3.46
